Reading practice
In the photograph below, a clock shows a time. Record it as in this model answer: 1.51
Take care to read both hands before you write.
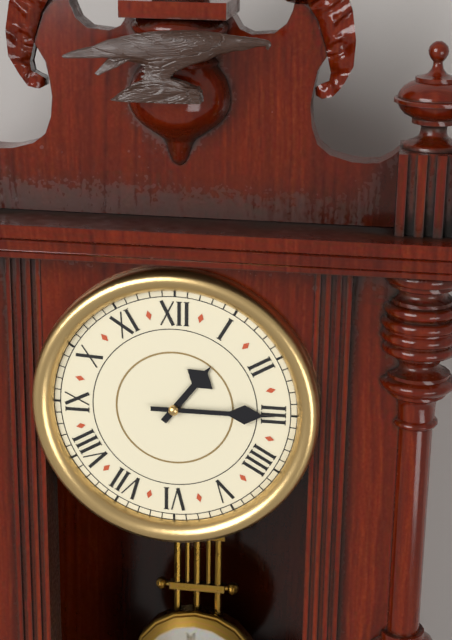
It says 1.15
